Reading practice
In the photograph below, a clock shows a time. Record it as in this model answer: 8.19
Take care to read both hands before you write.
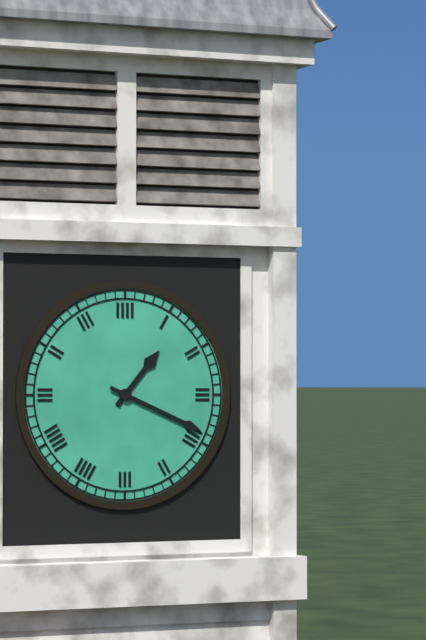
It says 1.19
